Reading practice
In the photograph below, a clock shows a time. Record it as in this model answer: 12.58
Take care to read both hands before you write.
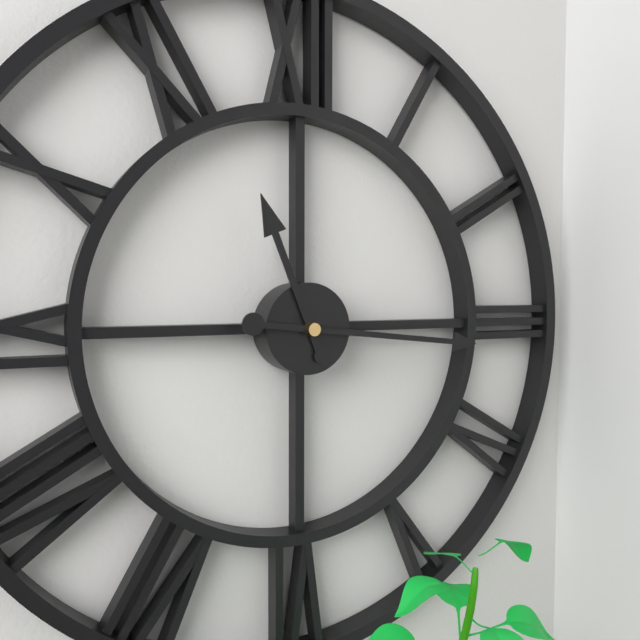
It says 11.16
